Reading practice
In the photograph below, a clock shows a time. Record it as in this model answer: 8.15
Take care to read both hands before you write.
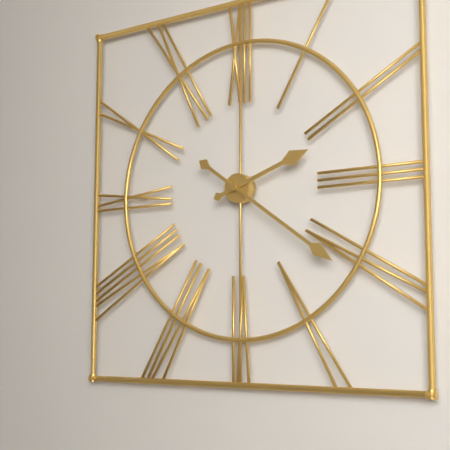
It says 2.21
